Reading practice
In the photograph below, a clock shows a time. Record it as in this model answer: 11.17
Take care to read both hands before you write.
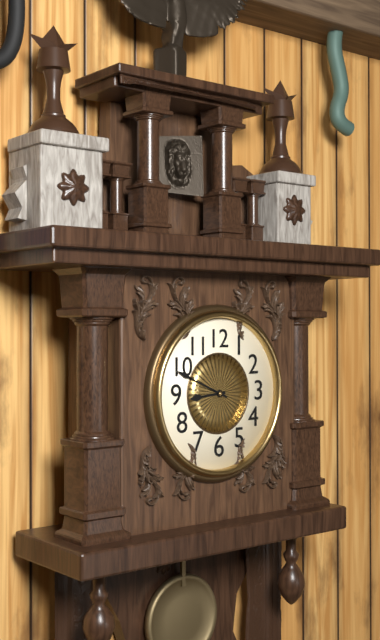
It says 8.49
